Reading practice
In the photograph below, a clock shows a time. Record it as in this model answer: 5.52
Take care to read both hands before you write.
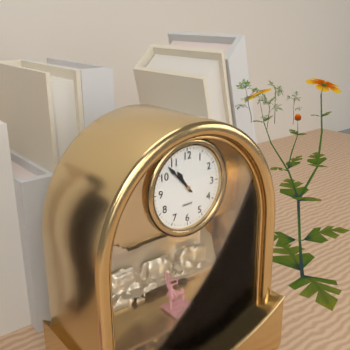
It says 10.53
